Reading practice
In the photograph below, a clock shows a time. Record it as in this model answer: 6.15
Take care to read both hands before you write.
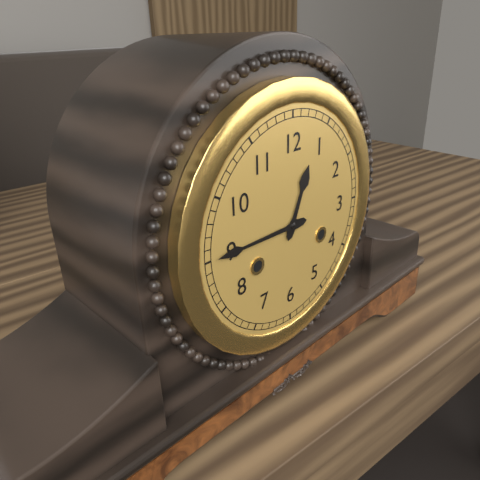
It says 12.45
